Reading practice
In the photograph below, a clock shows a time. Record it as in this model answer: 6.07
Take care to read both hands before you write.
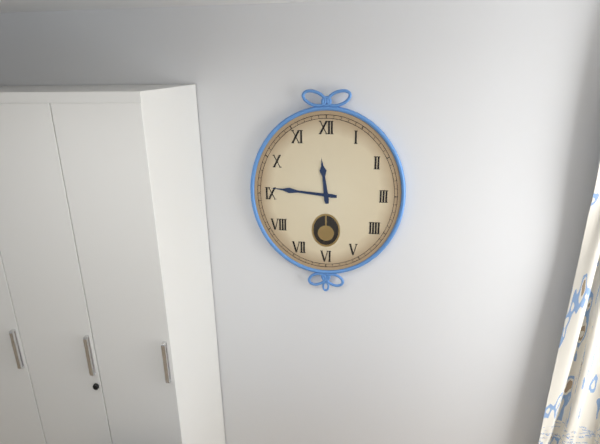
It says 11.46
